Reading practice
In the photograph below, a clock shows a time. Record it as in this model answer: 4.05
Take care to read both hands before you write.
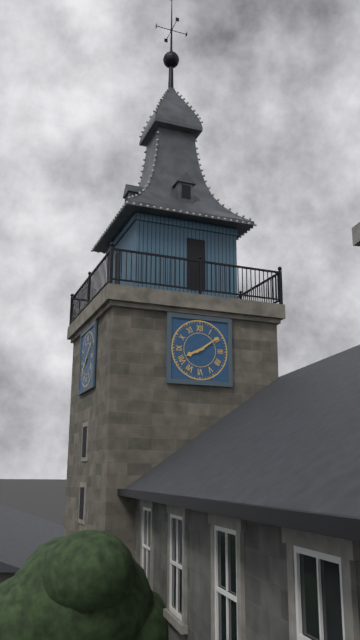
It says 8.09
